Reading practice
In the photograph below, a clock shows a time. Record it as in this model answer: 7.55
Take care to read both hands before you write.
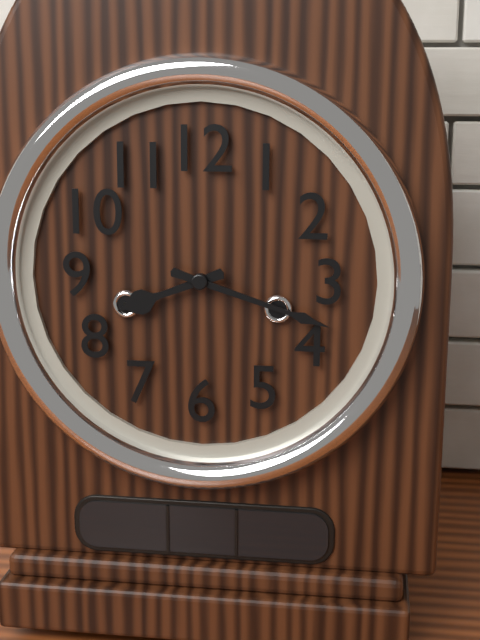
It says 8.18
